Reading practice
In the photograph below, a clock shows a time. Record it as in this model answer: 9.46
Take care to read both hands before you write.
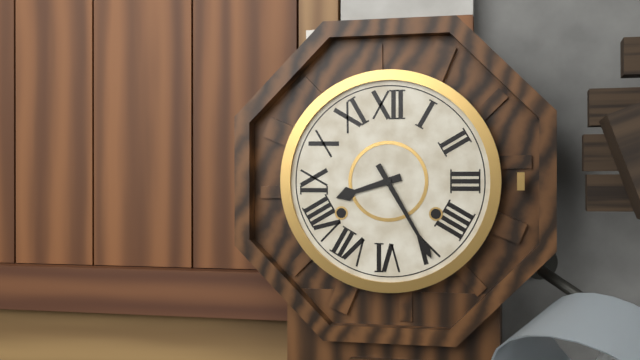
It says 8.25
